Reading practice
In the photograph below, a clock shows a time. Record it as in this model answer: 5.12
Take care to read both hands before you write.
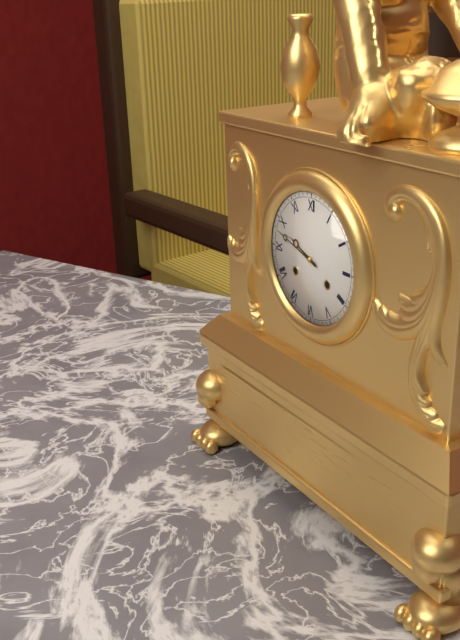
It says 9.48
